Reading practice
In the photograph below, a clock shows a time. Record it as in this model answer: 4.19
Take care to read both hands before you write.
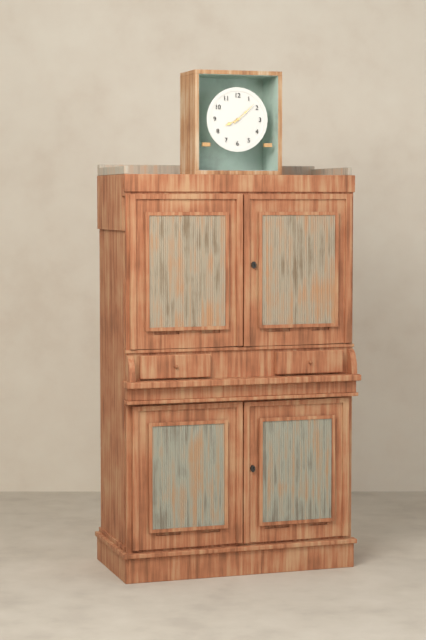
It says 8.08
